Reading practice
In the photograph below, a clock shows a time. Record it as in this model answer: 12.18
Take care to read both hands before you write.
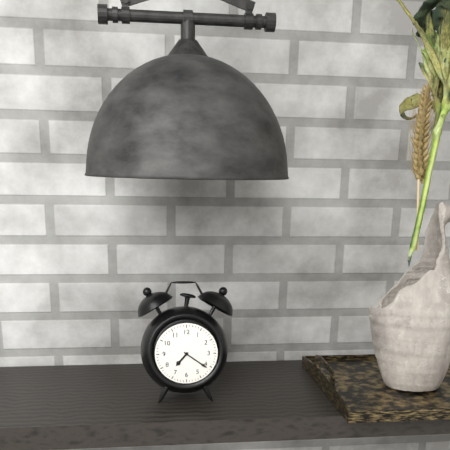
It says 7.21
